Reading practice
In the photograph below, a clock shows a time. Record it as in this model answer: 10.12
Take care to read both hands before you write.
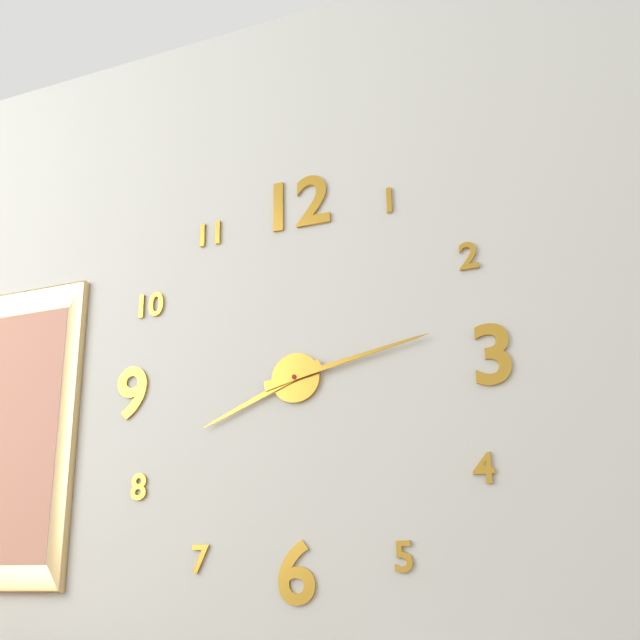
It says 8.13
